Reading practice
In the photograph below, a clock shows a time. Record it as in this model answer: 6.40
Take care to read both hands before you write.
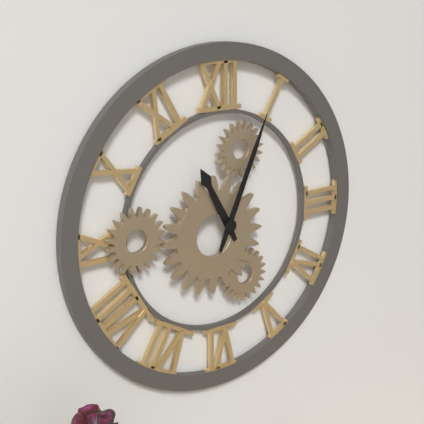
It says 11.04
